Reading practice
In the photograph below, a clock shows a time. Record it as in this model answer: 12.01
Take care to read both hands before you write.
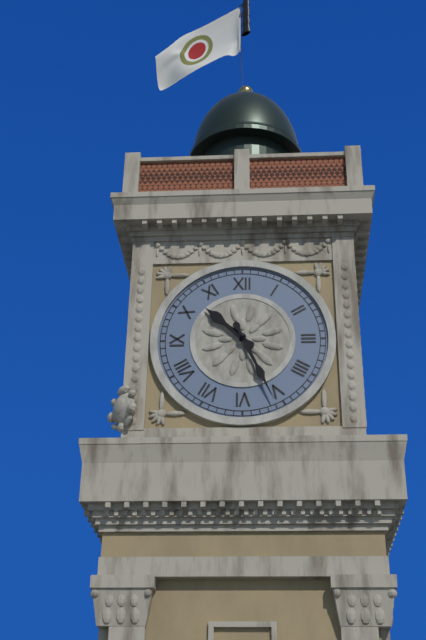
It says 10.26
